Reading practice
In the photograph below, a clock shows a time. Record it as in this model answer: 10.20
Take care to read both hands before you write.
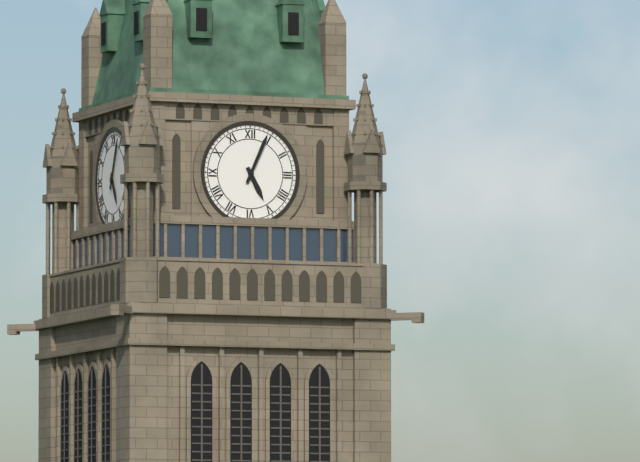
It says 5.04
